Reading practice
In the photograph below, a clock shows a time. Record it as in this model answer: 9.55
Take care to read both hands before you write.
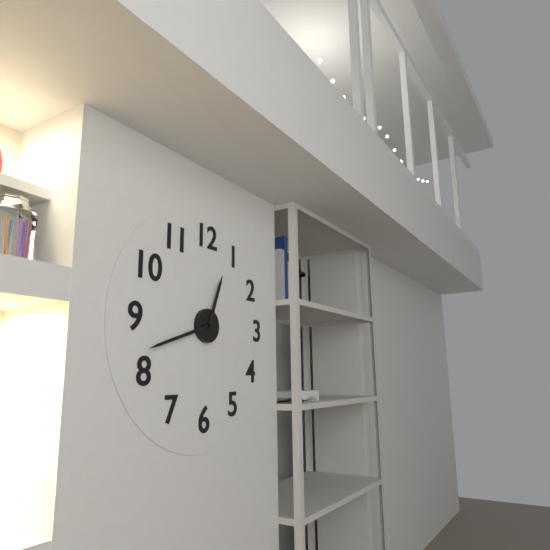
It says 12.42
